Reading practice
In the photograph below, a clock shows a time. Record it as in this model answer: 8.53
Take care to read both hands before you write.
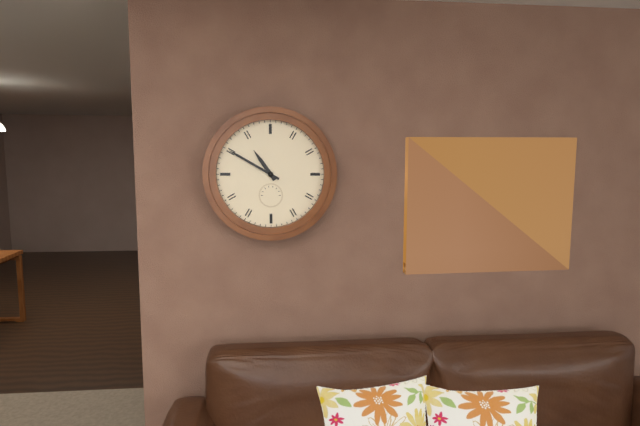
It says 10.50
